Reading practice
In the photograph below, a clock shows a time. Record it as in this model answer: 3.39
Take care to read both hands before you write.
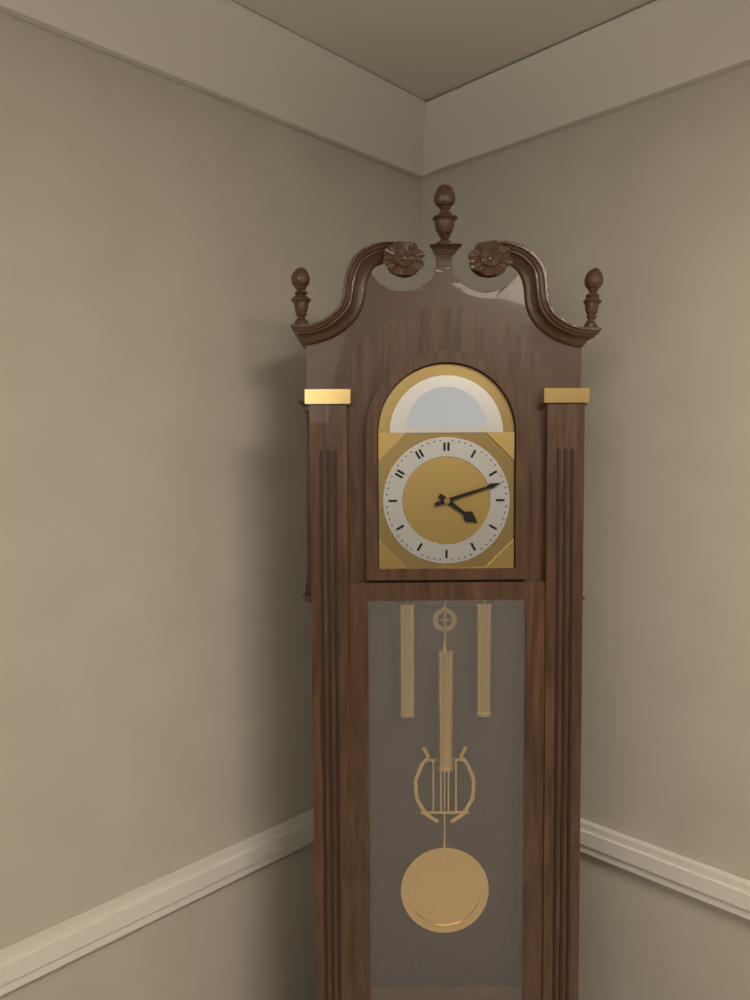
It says 4.12
